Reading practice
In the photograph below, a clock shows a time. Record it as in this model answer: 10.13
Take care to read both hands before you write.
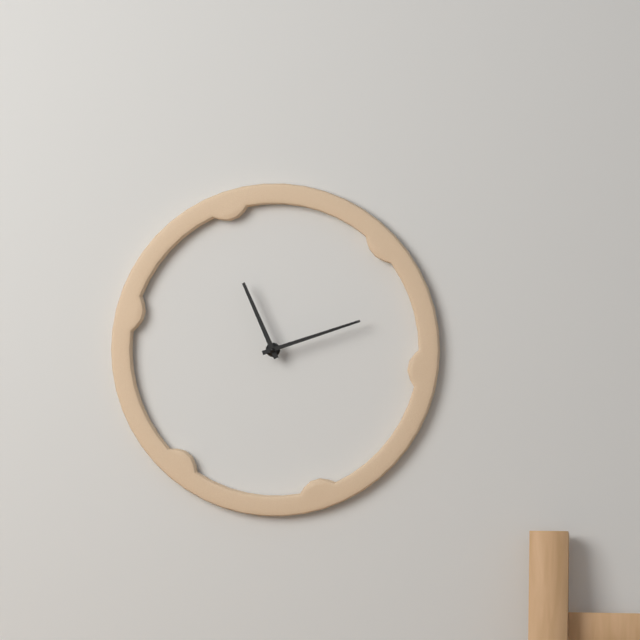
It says 11.12
